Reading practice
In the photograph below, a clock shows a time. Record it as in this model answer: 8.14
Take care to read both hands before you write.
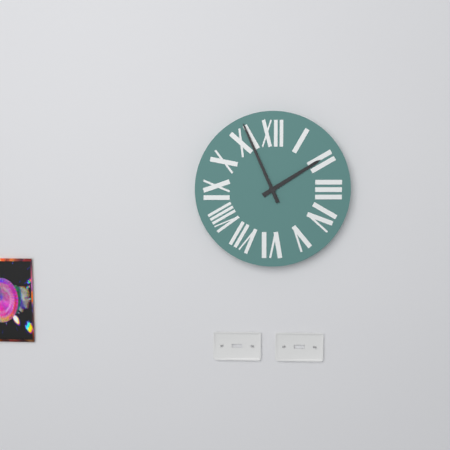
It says 1.56
